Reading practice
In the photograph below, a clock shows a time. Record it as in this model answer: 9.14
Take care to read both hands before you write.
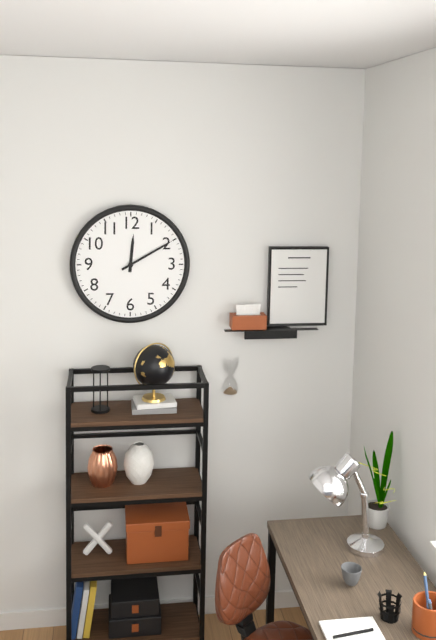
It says 12.10
